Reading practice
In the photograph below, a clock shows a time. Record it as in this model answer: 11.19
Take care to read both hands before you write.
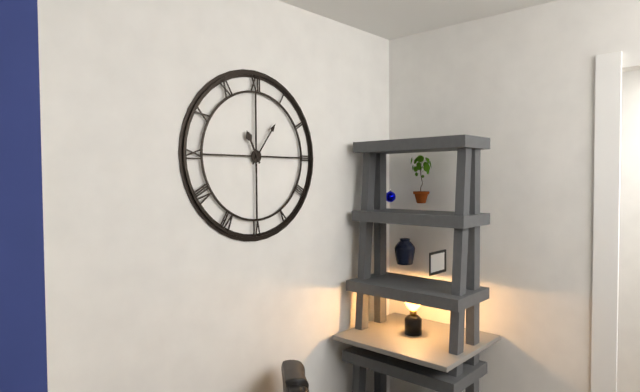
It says 11.06
